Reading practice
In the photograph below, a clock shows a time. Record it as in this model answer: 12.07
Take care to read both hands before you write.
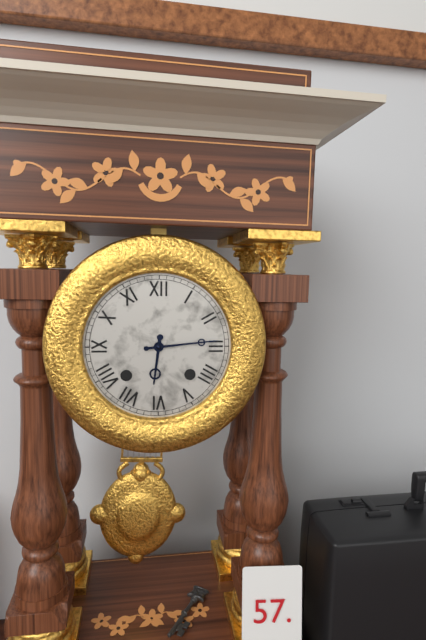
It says 6.14
